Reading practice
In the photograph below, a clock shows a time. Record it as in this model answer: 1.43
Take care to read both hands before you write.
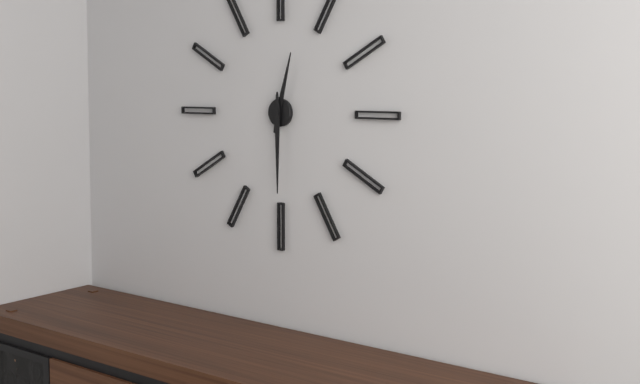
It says 12.30
